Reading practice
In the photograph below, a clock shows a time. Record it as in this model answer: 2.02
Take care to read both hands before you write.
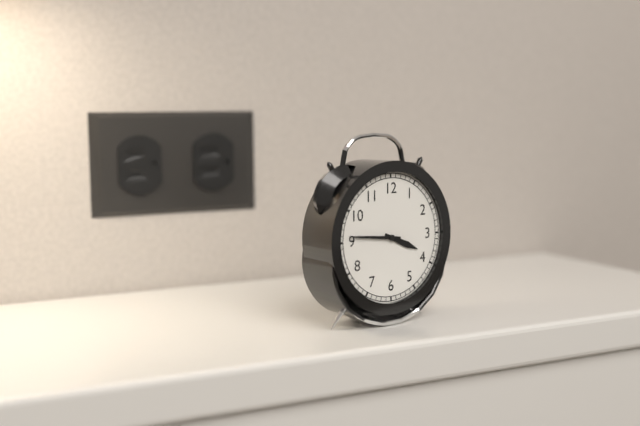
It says 3.46
